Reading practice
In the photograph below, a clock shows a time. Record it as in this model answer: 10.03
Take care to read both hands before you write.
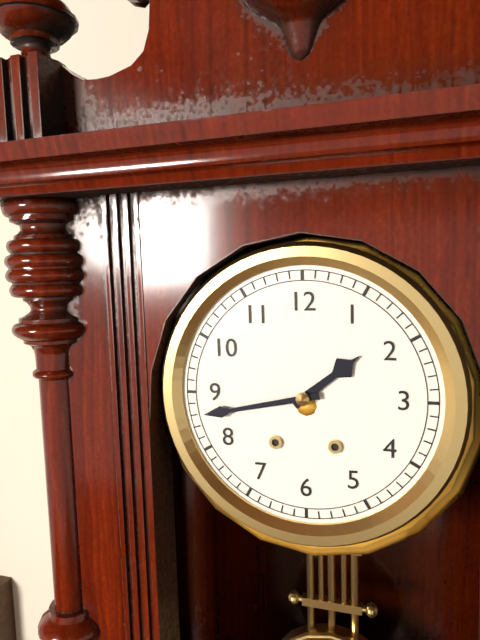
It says 1.43
